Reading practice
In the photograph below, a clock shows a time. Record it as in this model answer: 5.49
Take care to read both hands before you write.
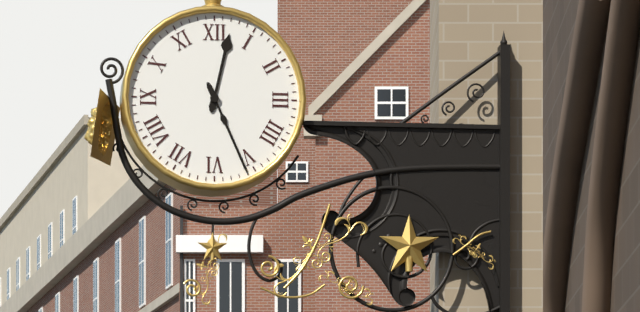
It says 12.26
